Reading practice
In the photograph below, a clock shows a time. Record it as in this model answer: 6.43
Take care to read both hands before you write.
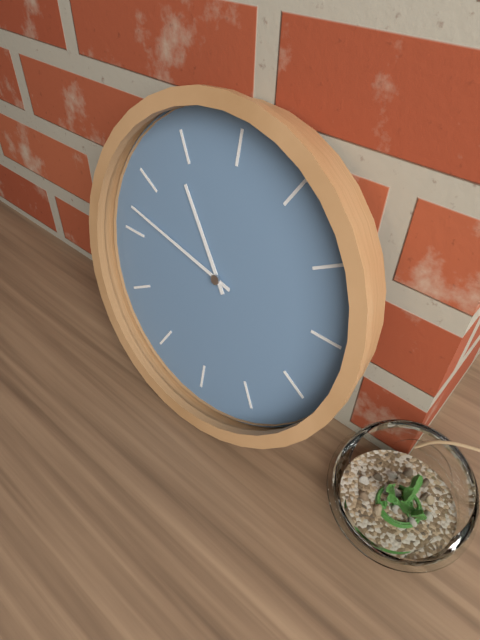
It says 10.47
